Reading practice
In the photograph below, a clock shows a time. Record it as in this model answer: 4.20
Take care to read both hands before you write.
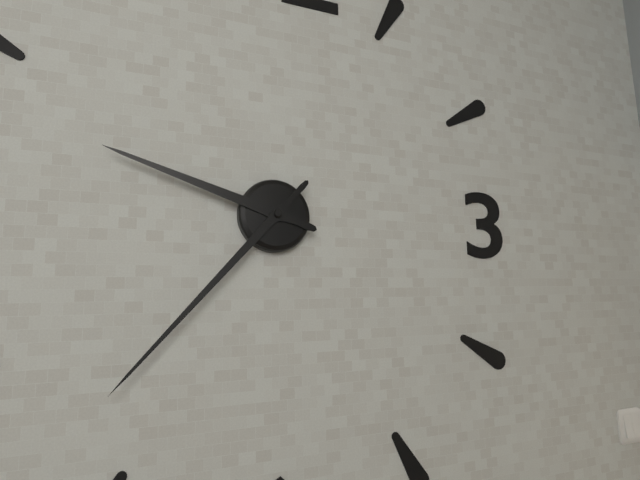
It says 9.37
